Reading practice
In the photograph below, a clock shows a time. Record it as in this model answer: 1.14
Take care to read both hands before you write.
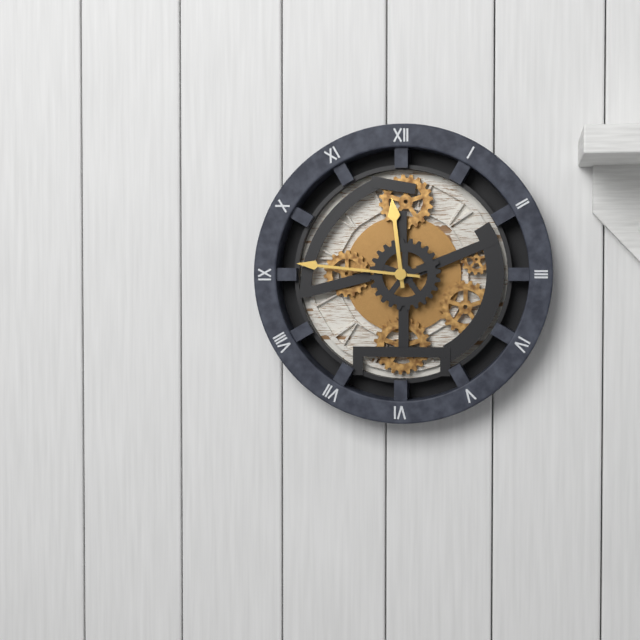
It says 11.46
